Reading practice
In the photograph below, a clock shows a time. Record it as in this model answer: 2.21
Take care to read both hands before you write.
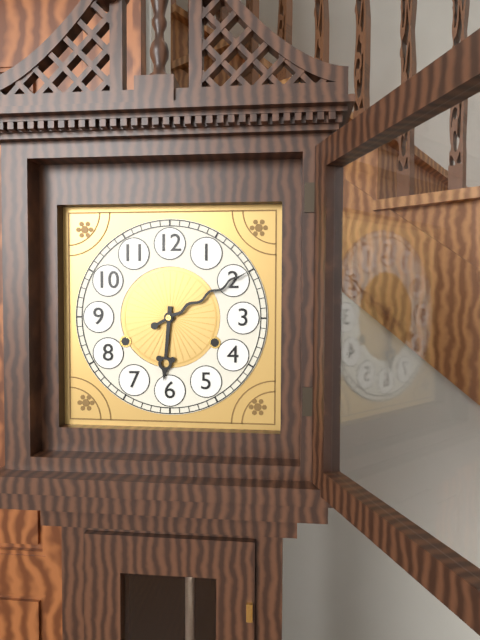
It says 6.10
